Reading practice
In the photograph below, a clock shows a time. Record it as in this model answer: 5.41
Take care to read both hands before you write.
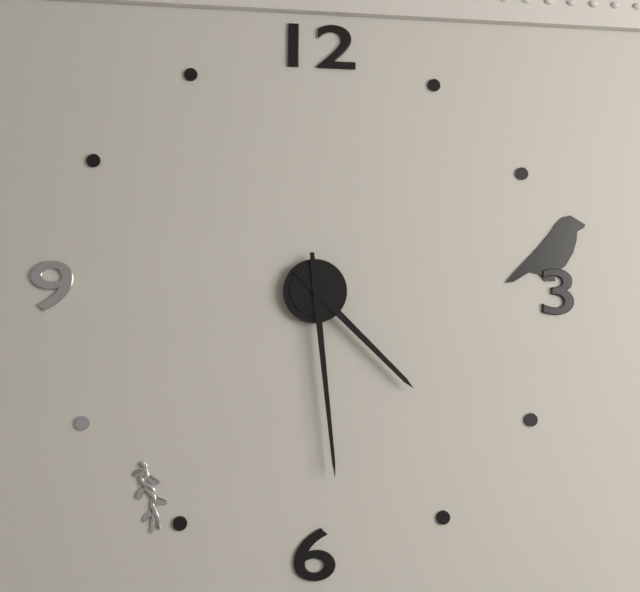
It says 4.29
